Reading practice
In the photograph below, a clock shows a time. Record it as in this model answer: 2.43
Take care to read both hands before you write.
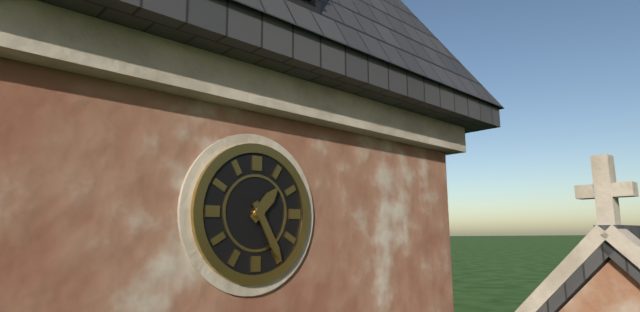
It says 1.25
